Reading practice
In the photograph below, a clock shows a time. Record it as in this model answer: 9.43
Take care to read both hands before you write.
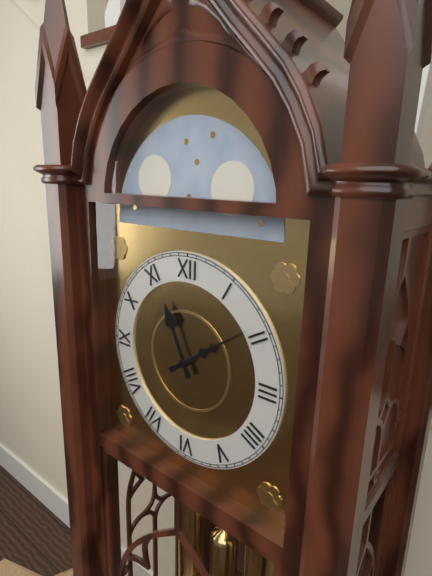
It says 11.09
